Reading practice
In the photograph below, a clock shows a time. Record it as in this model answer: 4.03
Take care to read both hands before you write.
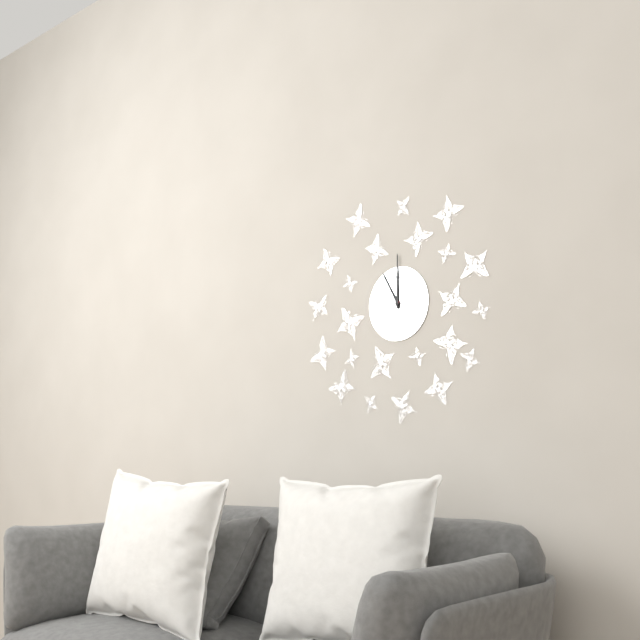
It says 11.00
